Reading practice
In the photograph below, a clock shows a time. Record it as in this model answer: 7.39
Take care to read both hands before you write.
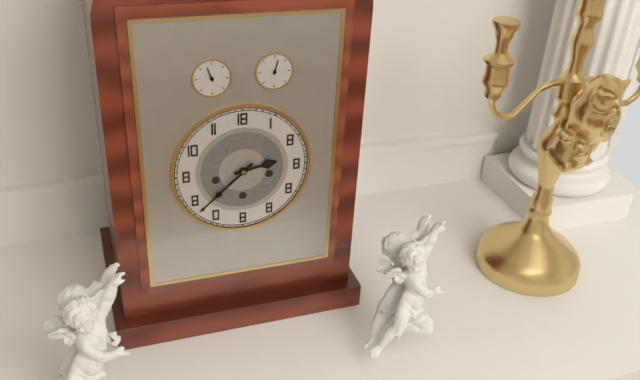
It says 2.38
